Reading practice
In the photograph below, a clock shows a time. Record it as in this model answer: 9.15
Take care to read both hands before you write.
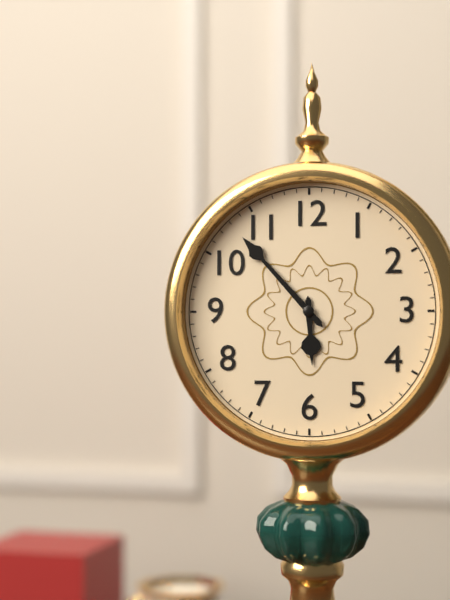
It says 5.53
